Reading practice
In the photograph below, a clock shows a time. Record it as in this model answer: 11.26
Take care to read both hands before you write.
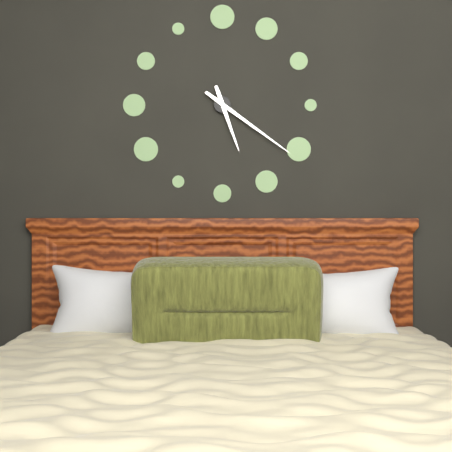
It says 5.21
